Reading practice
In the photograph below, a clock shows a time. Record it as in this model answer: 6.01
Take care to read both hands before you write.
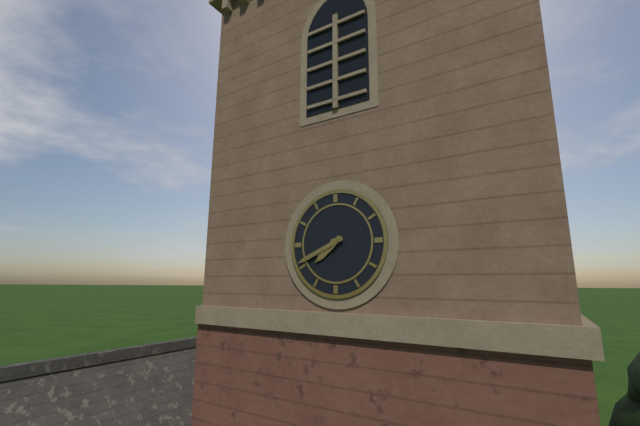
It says 7.41
